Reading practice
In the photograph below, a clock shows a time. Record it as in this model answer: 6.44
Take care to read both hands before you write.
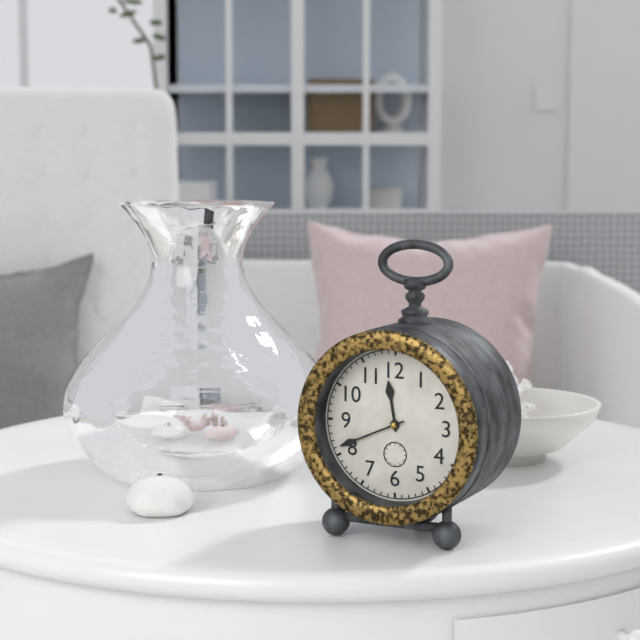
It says 11.41
